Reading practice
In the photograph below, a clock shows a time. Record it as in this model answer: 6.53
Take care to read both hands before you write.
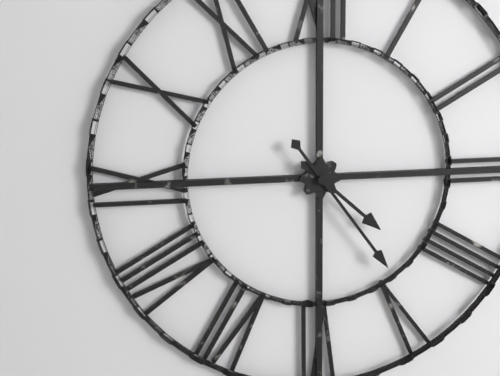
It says 4.24
